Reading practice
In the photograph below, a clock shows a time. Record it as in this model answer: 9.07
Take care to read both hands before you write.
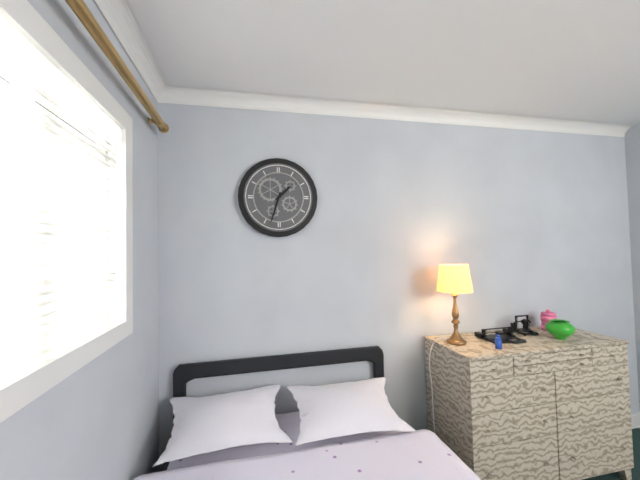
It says 1.33
